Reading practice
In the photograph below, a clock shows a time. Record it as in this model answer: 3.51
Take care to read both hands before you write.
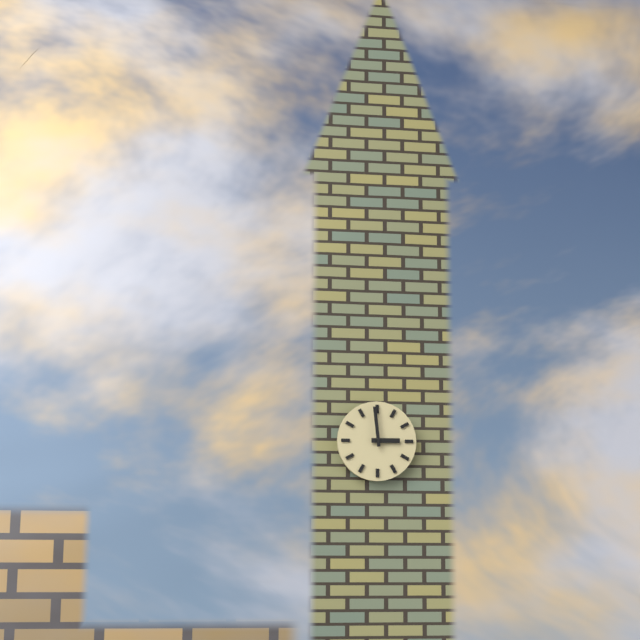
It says 2.59
